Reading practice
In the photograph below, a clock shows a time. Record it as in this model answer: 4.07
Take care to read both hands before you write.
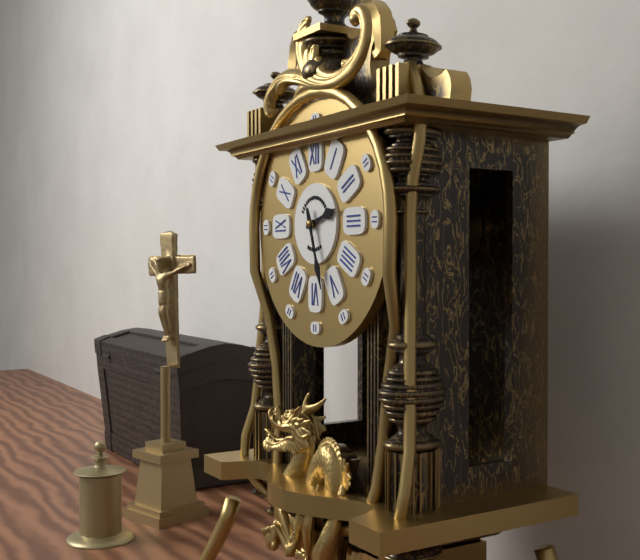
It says 2.27
